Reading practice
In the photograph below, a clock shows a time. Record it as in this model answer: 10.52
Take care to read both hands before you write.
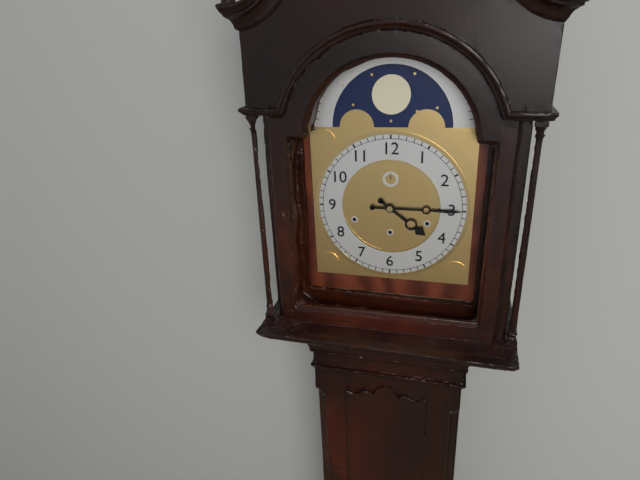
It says 4.15
